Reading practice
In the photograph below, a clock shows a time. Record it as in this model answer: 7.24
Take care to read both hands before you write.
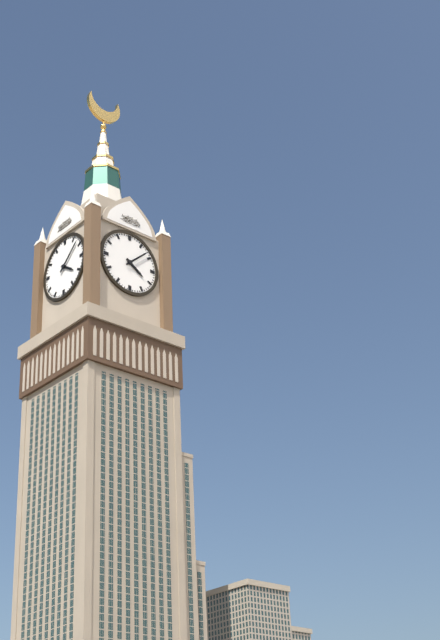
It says 4.08
